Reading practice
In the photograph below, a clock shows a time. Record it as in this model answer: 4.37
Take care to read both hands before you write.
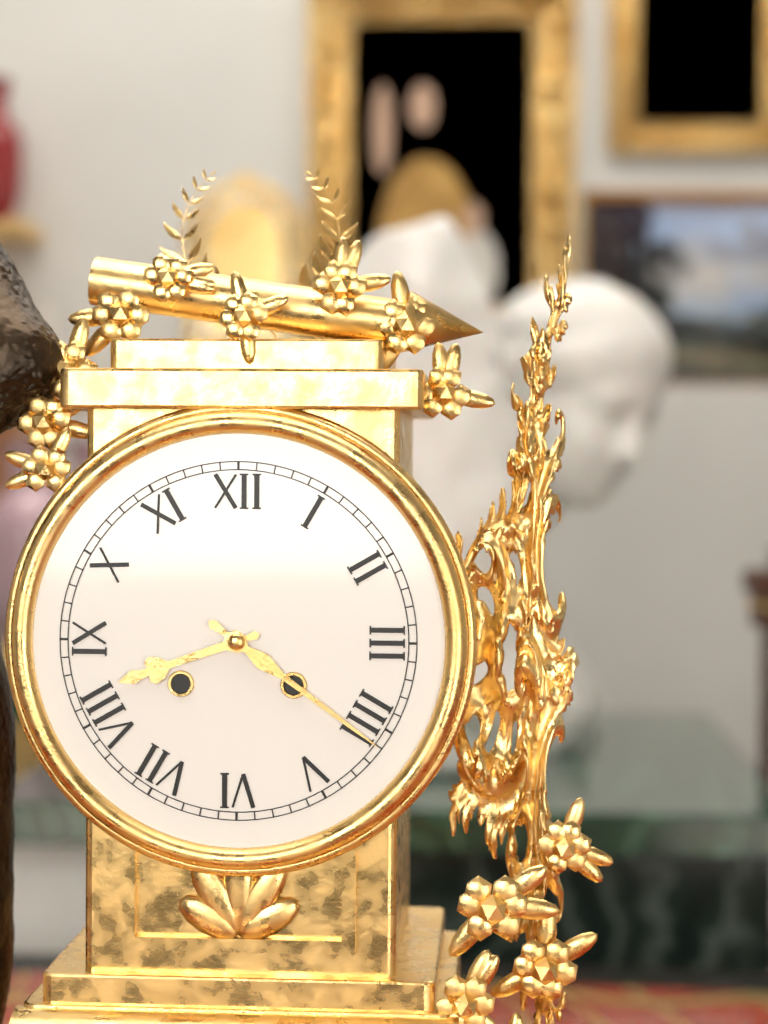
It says 8.21
